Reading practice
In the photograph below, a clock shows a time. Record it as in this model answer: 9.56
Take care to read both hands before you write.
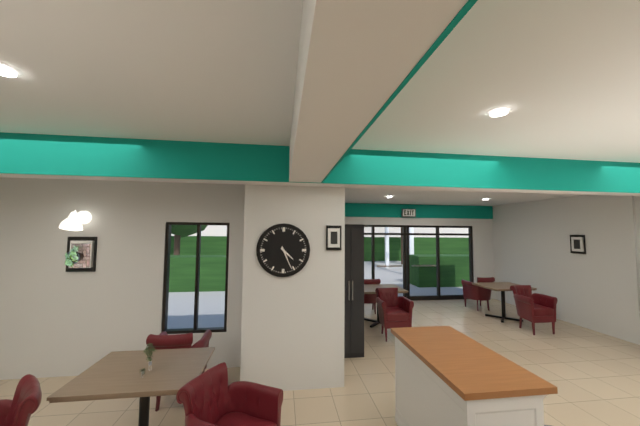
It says 4.26
